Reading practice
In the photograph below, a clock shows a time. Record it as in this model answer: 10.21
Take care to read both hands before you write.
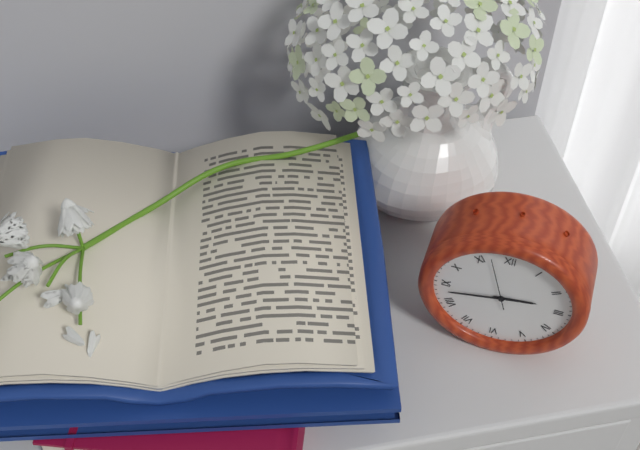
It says 2.43
